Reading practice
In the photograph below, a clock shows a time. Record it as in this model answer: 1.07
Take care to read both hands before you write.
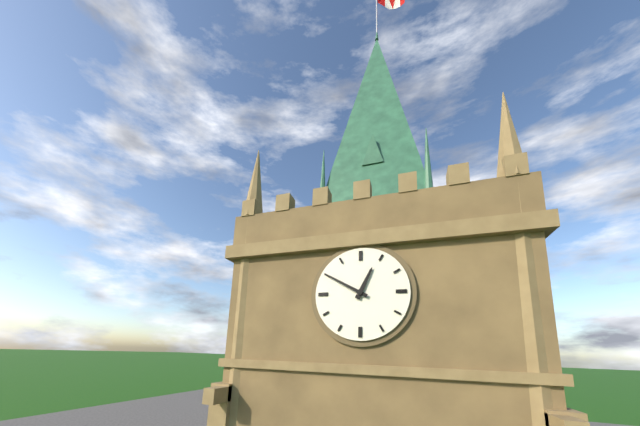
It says 12.50
